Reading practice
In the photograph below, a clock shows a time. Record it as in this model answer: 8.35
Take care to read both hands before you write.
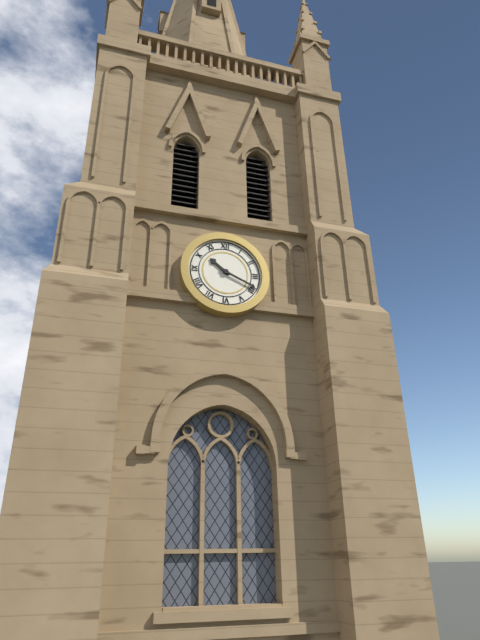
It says 10.19
